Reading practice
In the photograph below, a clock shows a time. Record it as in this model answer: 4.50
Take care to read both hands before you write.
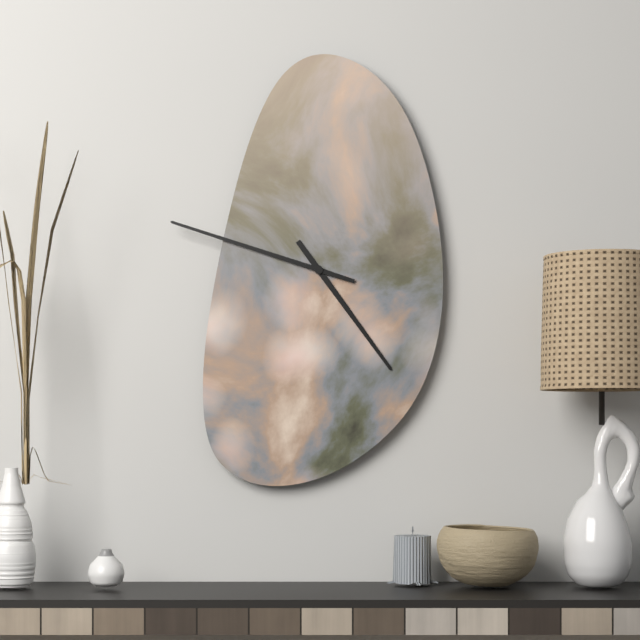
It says 4.48
